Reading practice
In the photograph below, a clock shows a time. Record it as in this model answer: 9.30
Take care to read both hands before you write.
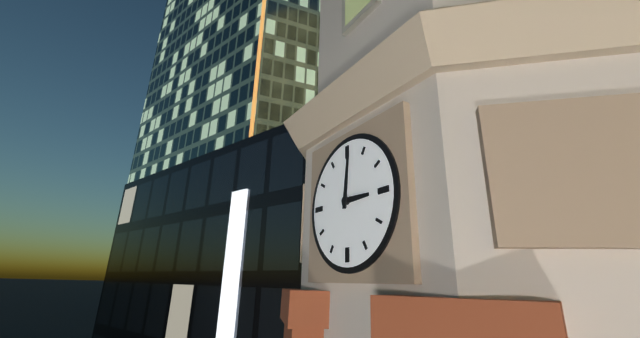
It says 3.01
